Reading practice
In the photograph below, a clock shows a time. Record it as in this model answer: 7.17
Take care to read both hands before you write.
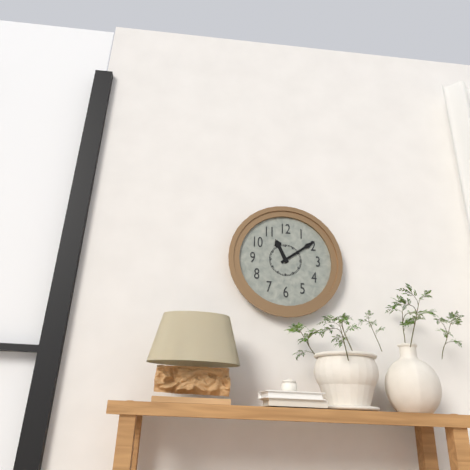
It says 11.09
